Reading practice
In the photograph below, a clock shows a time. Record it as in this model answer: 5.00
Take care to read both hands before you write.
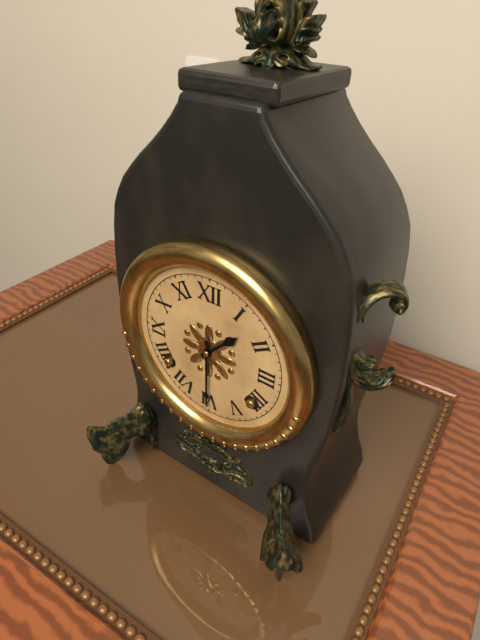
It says 1.30
